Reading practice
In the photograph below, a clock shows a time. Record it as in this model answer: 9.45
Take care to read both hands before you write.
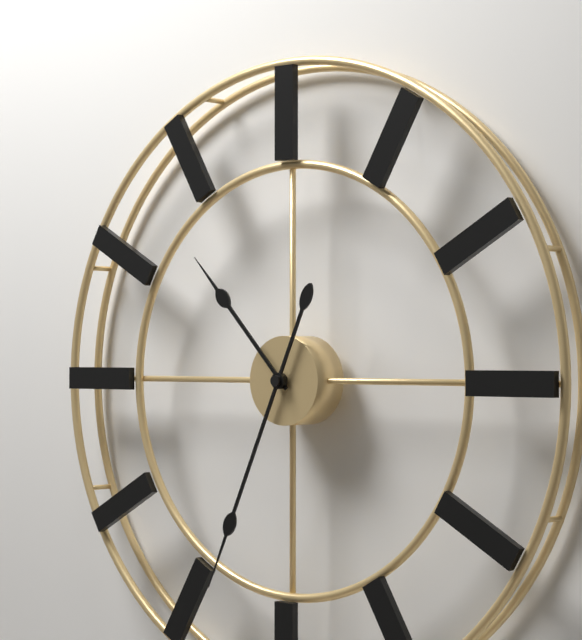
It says 10.34
